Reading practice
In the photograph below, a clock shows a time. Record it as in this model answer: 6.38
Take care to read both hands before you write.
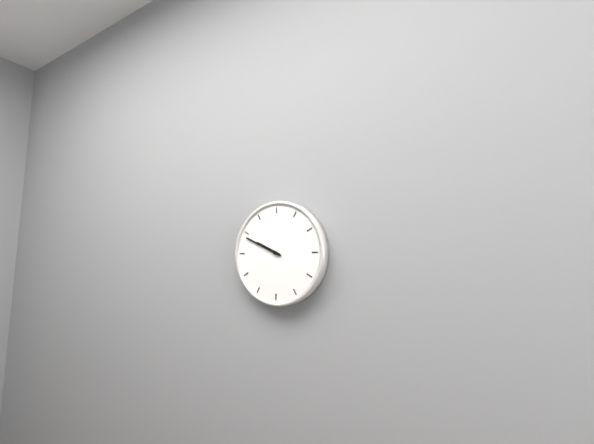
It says 9.49
